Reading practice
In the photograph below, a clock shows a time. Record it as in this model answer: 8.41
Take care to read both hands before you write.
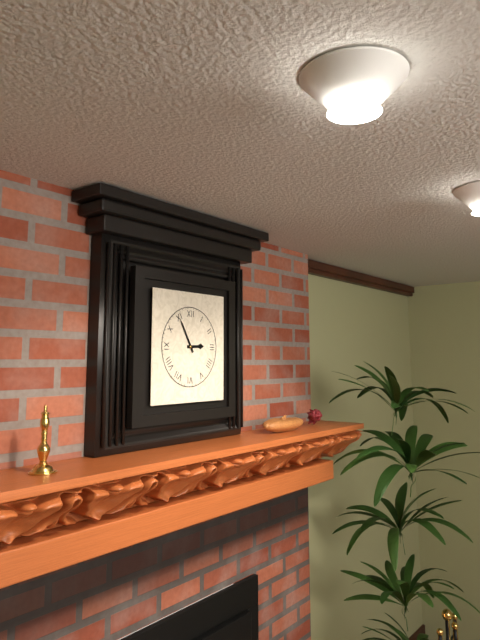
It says 2.55
